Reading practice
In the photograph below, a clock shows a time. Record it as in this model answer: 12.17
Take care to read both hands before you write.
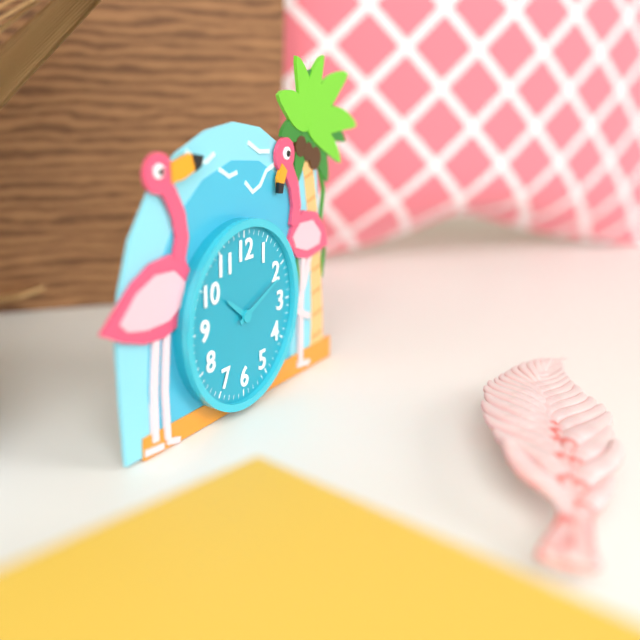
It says 10.11
